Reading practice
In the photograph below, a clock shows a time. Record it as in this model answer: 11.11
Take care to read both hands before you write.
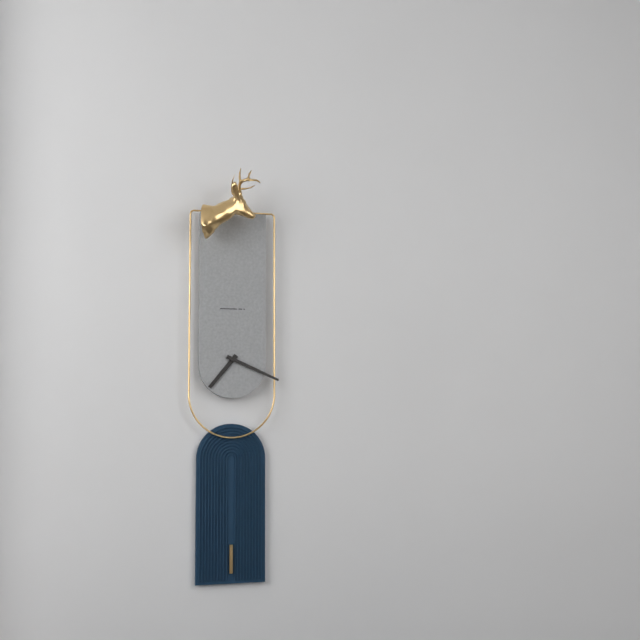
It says 7.19
